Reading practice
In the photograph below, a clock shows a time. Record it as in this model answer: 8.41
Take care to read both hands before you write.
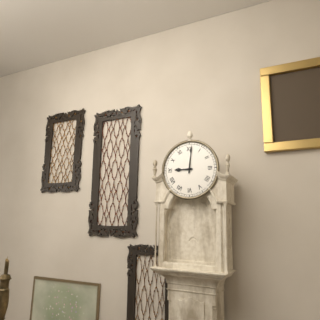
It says 9.01
